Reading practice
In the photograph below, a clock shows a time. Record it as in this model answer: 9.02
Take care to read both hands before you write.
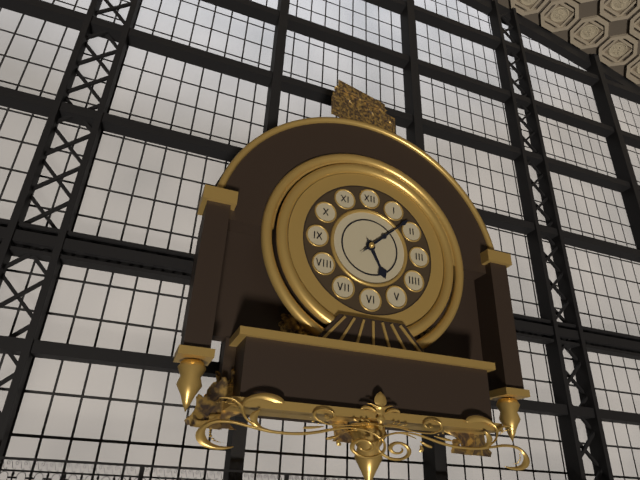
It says 5.08
